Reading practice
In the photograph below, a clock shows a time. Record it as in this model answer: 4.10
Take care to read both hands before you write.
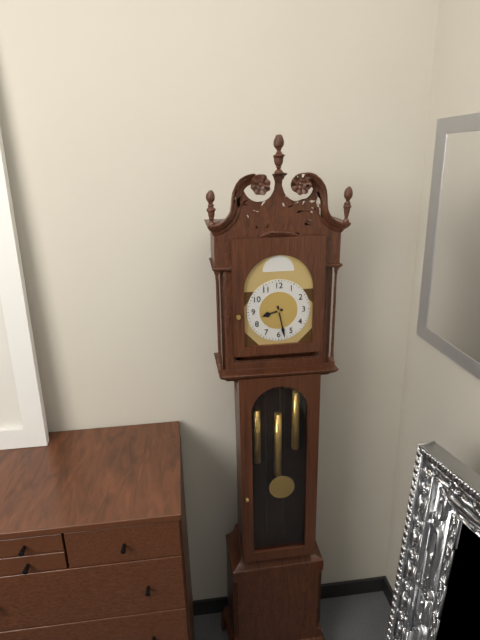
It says 8.28
